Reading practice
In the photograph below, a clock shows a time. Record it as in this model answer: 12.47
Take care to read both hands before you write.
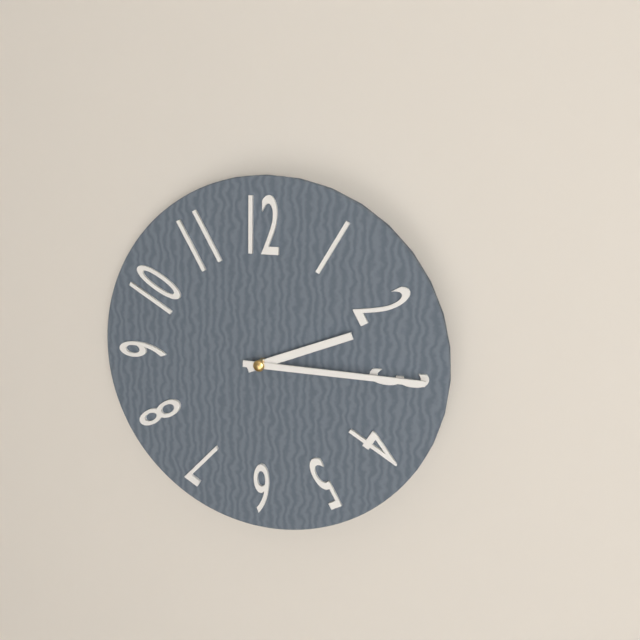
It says 2.15
